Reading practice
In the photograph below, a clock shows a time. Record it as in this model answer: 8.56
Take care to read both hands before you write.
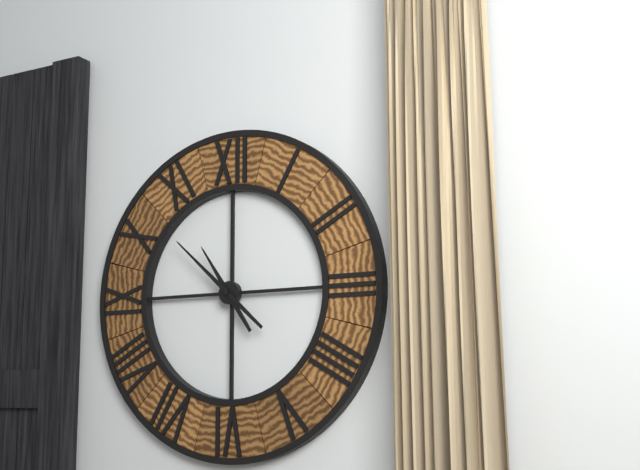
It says 10.52
